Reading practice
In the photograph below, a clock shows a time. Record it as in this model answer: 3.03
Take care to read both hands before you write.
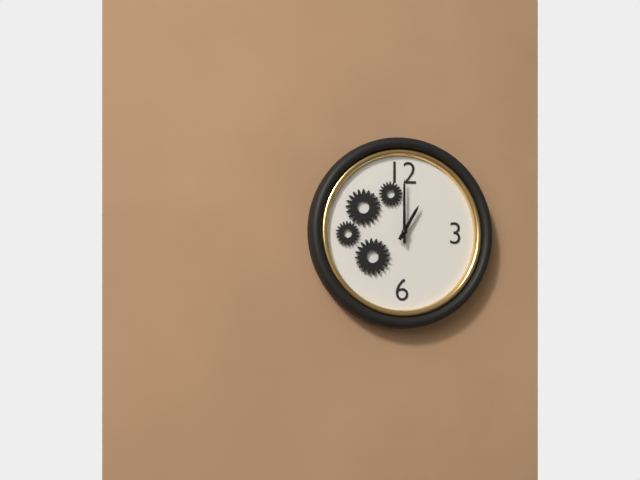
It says 1.00
